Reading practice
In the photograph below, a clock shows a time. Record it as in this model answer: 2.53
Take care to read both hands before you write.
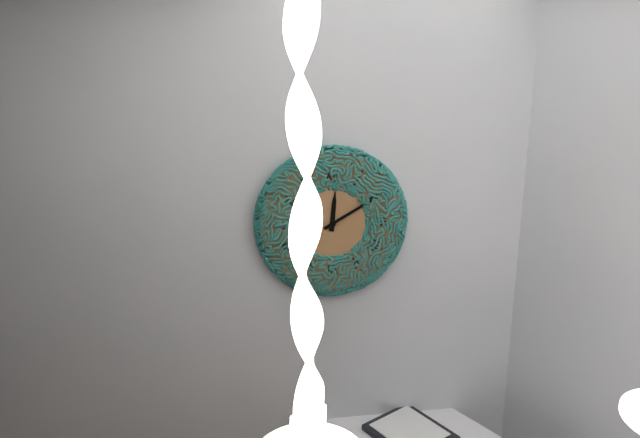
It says 12.10
